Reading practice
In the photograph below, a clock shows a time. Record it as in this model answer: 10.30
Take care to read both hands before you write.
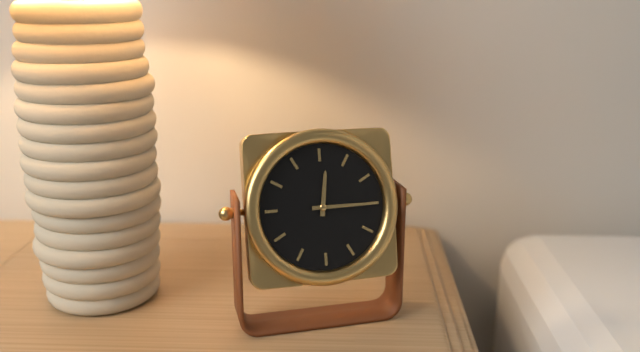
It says 12.15
